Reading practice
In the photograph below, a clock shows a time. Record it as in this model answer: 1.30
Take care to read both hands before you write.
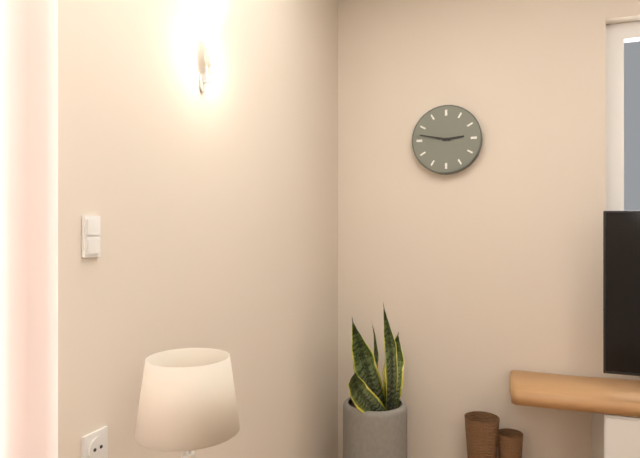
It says 2.47
